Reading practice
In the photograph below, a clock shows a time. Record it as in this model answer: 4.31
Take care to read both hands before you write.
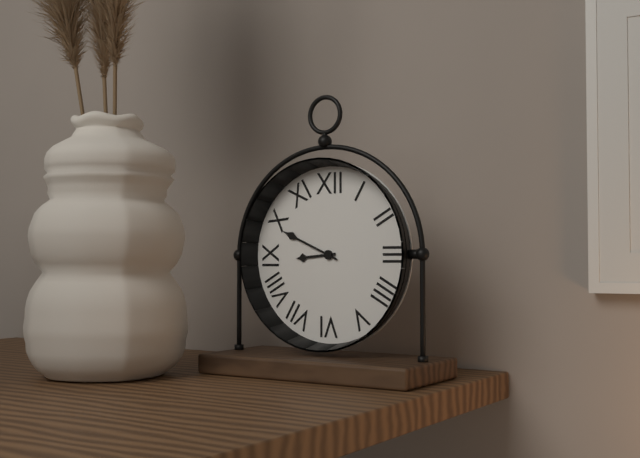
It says 8.49
